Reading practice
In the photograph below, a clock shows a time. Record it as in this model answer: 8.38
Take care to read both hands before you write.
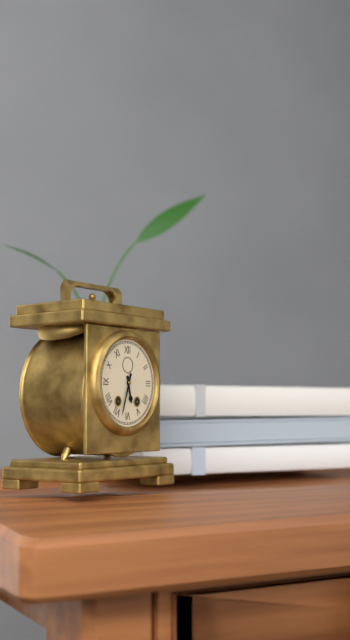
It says 5.33
